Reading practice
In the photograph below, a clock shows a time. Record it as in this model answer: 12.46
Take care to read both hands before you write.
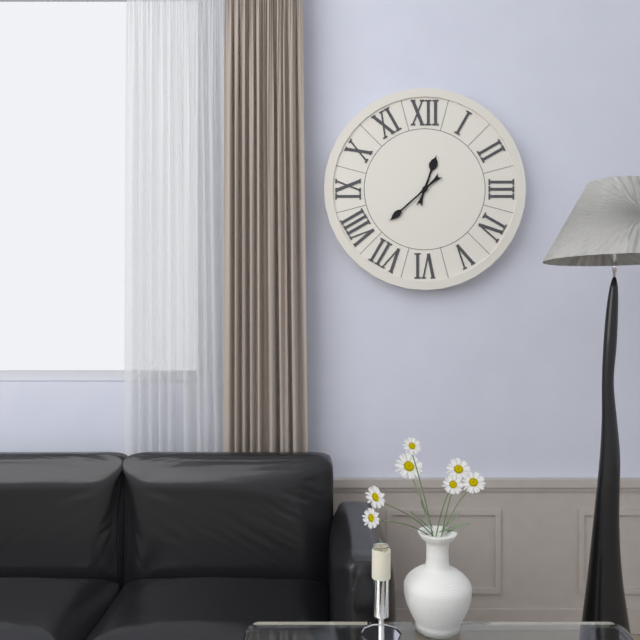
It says 12.38
